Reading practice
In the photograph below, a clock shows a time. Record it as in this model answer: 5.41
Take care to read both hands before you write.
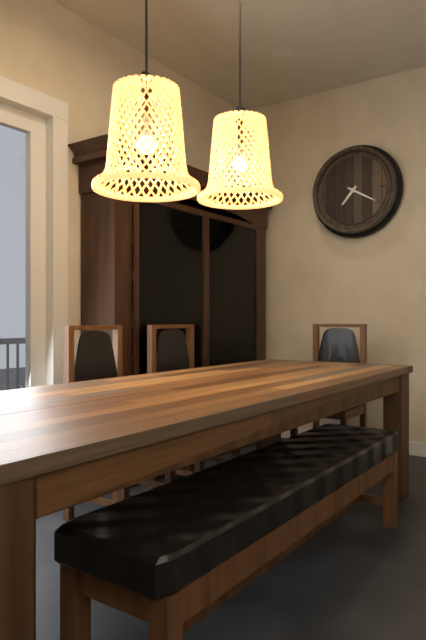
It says 7.20
